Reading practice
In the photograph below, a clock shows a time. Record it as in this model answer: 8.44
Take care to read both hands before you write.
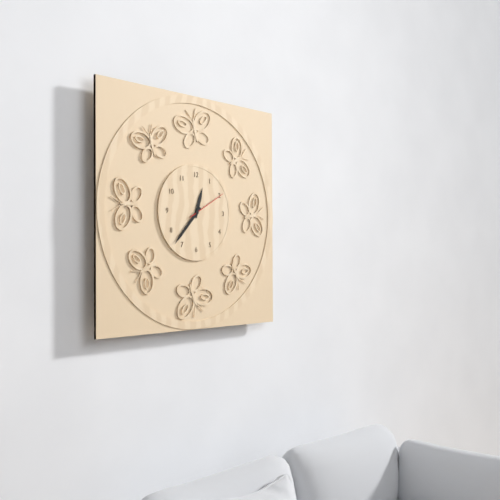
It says 12.37
